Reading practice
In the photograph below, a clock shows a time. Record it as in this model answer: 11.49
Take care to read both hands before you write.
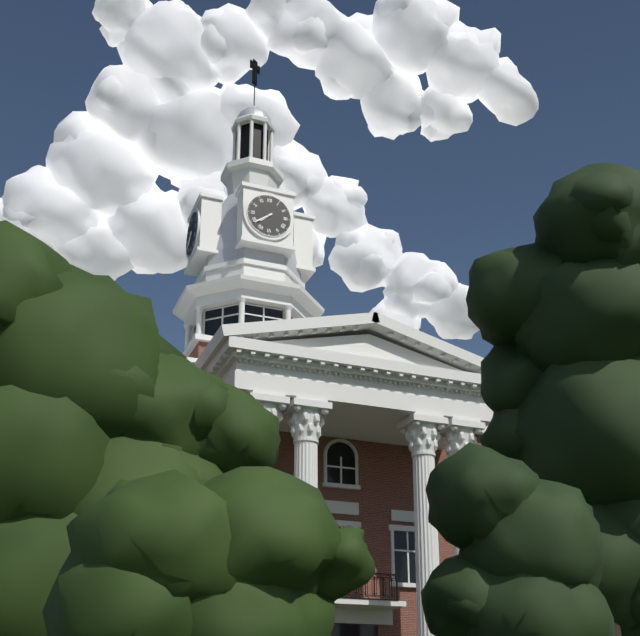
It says 7.39
